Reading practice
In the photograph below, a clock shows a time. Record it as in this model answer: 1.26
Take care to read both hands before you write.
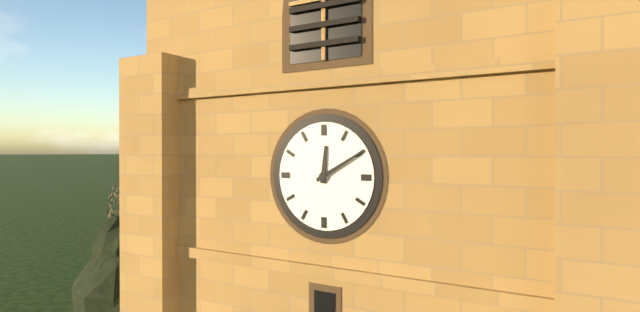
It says 12.10
